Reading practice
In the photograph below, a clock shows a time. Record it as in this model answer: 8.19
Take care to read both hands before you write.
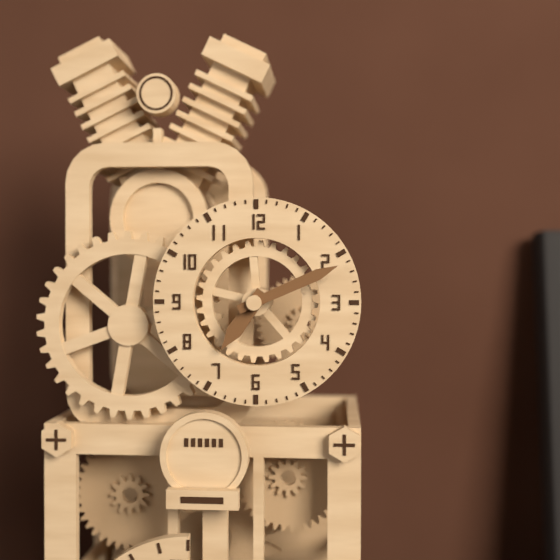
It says 7.11
